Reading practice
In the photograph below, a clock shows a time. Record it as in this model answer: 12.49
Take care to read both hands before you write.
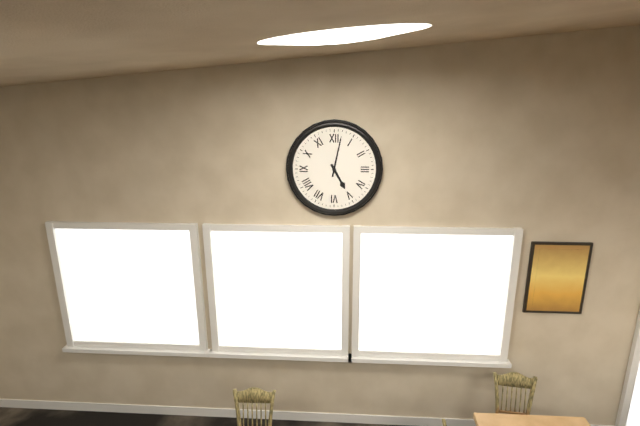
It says 5.02
